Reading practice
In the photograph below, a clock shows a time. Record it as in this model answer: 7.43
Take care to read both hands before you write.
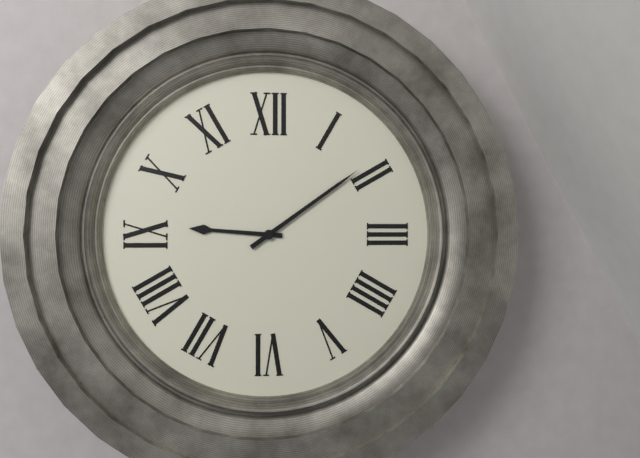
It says 9.09
